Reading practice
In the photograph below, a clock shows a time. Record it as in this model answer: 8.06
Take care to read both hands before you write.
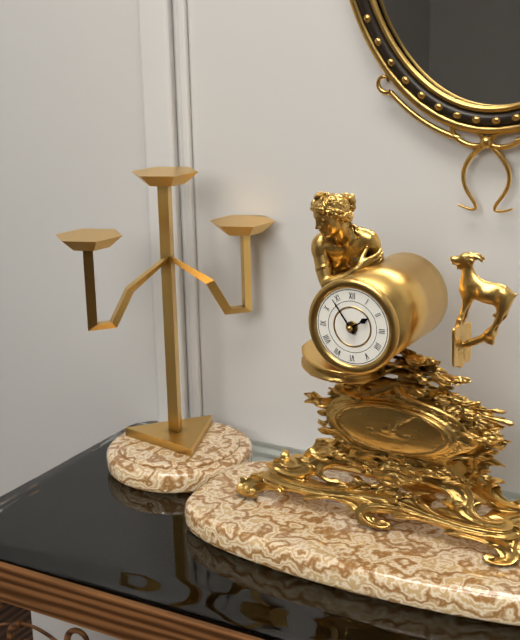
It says 1.54
